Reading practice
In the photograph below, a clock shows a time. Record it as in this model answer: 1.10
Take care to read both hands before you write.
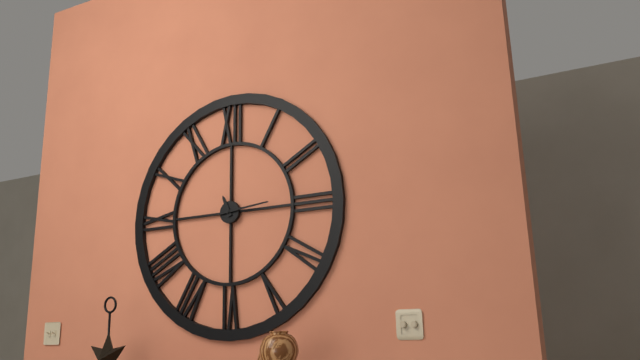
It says 11.14
